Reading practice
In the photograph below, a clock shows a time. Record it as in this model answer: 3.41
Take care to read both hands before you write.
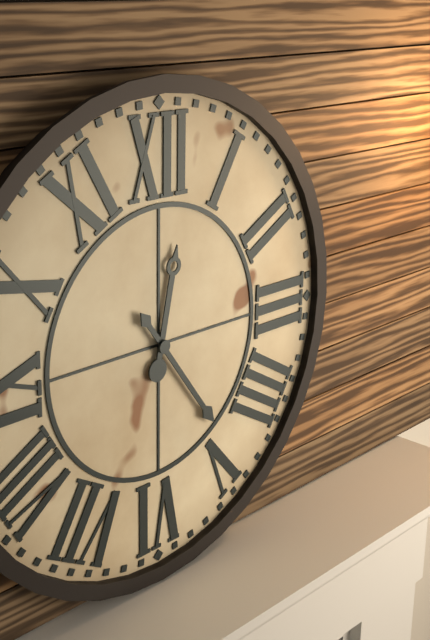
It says 12.24
